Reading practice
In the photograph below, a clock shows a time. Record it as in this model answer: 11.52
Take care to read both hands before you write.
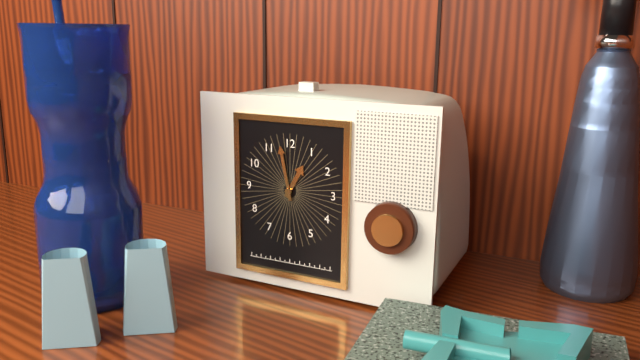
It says 12.58
